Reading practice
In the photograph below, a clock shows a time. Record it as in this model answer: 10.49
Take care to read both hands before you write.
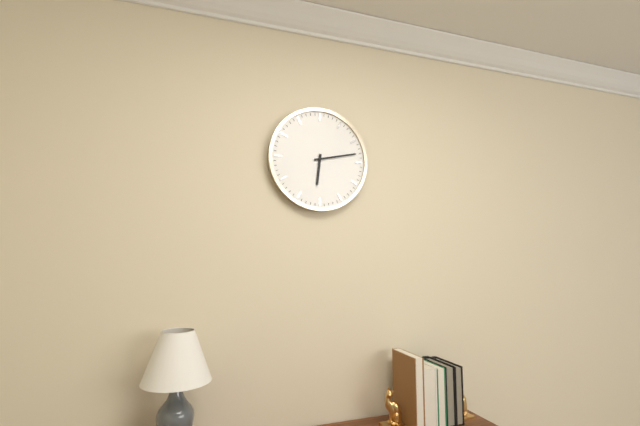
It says 6.13
